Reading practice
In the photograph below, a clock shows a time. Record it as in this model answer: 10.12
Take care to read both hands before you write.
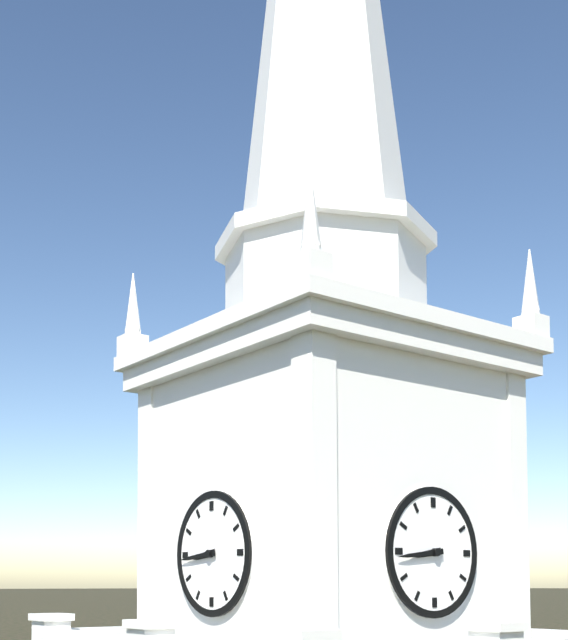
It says 8.44
